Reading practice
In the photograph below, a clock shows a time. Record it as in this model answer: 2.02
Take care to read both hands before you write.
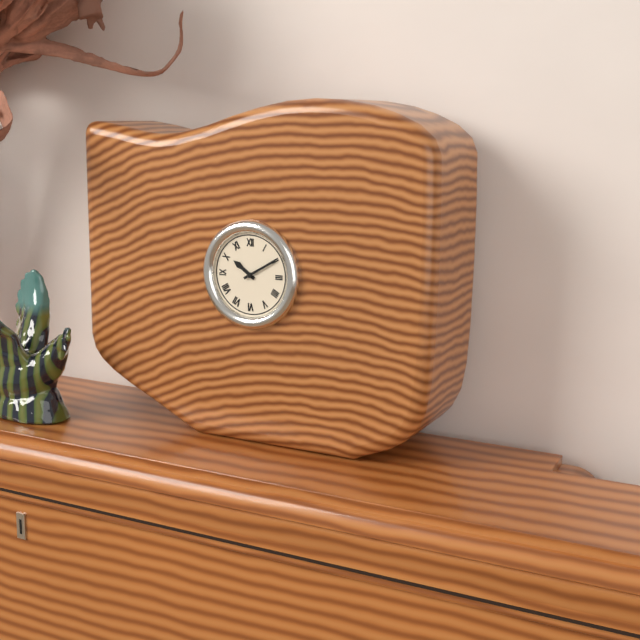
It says 10.10
